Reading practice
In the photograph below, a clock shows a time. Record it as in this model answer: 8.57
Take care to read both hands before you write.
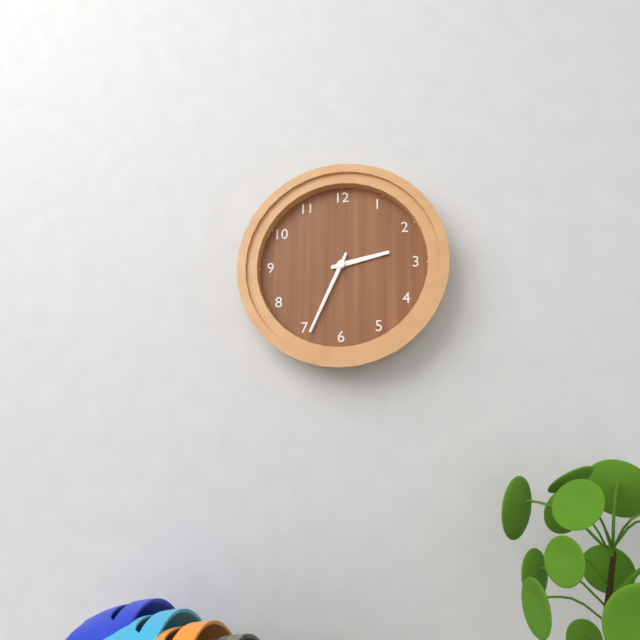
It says 2.34
